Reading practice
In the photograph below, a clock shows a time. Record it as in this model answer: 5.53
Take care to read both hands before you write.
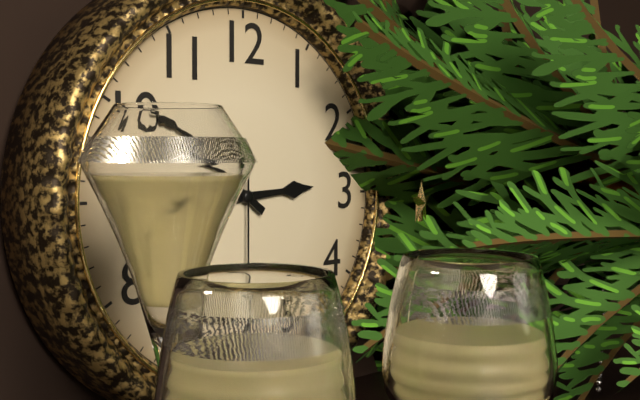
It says 2.51
